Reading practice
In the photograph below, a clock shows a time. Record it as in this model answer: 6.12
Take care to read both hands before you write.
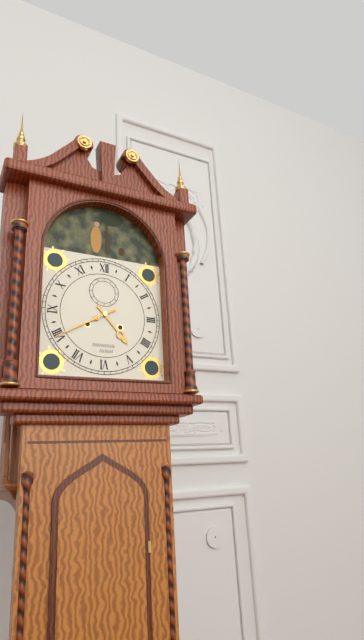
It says 4.40
